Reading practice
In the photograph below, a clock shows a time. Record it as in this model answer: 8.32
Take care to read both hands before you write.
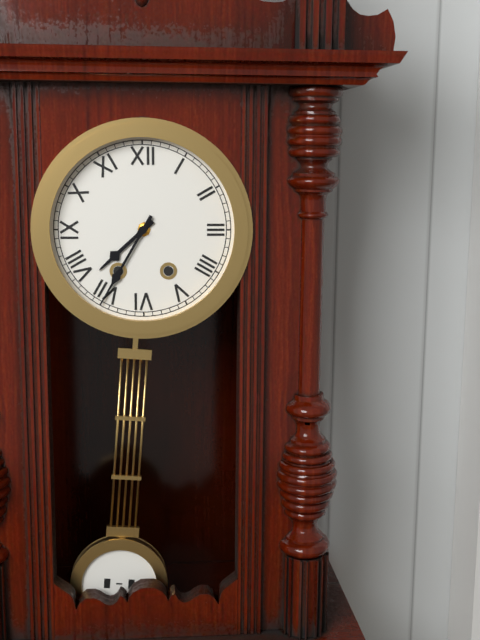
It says 7.35
